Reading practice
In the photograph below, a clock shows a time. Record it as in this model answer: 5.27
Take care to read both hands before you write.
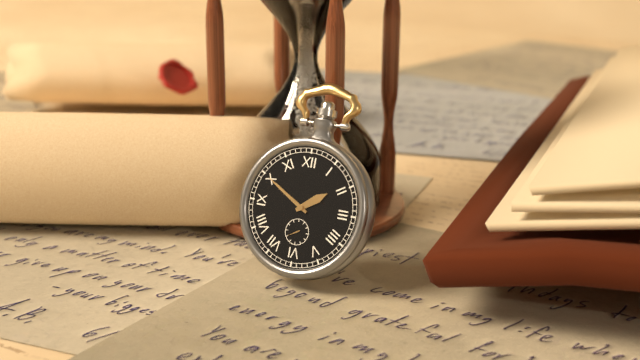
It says 1.50
